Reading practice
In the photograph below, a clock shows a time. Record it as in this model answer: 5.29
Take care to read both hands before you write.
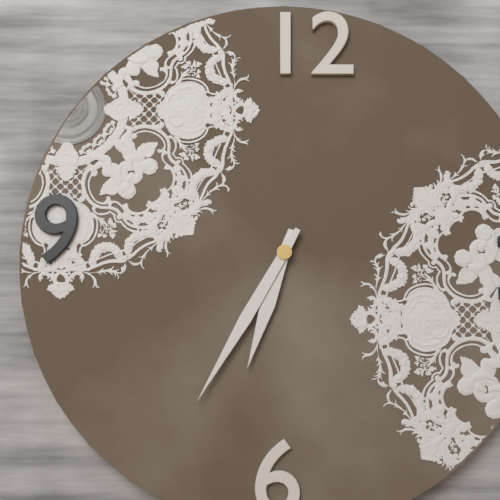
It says 6.35
